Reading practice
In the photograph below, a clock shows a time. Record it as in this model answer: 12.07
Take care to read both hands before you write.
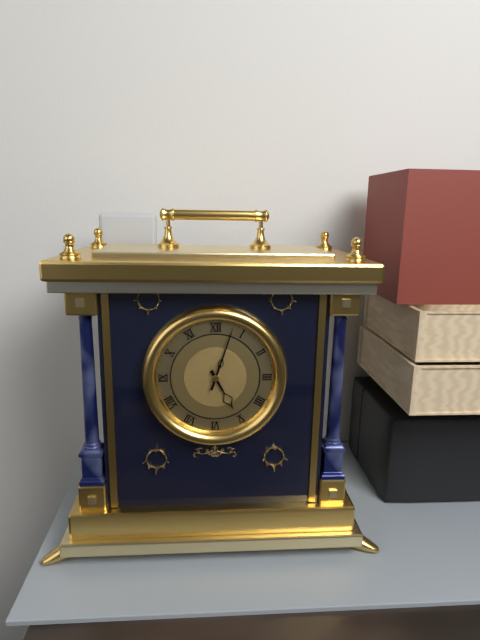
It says 5.03
